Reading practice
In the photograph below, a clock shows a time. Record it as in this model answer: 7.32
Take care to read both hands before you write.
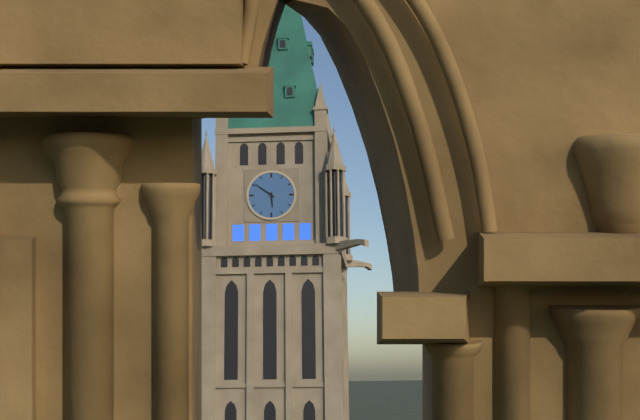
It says 5.51
